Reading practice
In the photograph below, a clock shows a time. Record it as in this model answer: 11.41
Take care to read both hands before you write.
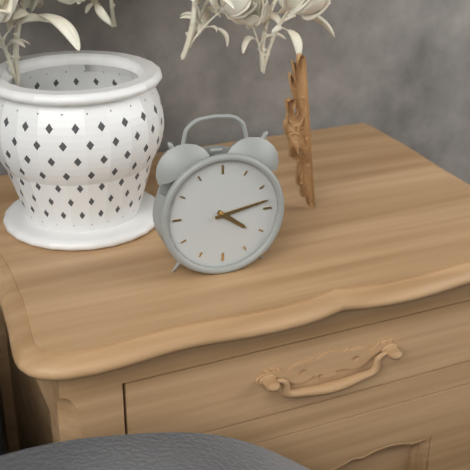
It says 4.13
